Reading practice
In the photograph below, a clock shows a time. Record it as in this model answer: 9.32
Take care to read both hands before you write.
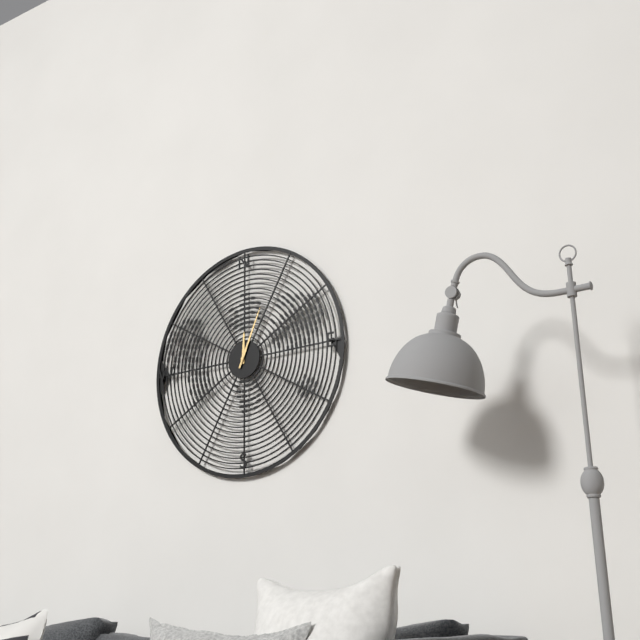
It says 12.04
